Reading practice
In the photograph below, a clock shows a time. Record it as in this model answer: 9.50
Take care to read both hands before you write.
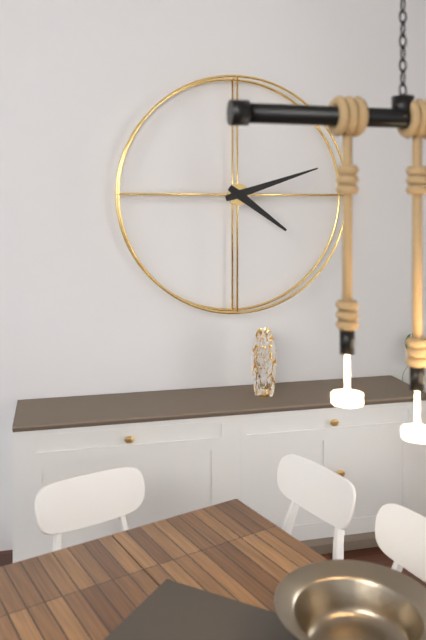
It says 4.12
